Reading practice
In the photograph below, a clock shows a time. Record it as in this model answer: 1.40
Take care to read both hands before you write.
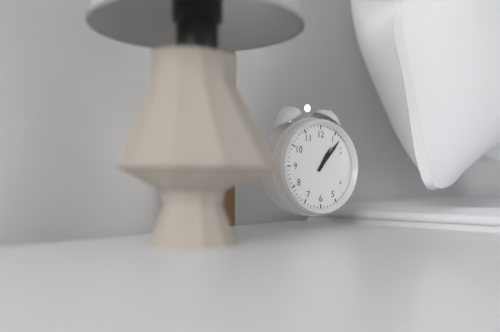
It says 1.07
